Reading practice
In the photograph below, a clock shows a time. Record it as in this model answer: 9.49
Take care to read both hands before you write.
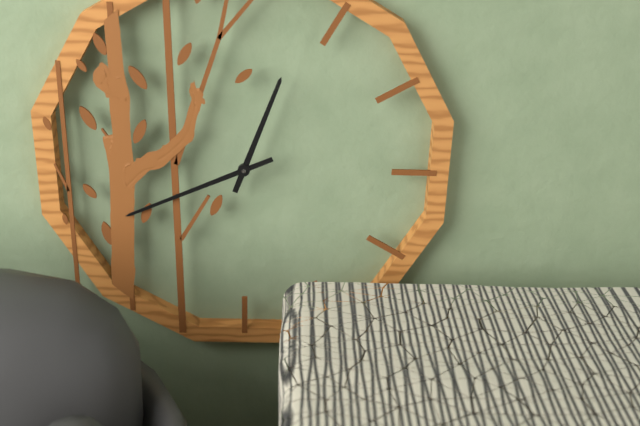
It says 12.41
